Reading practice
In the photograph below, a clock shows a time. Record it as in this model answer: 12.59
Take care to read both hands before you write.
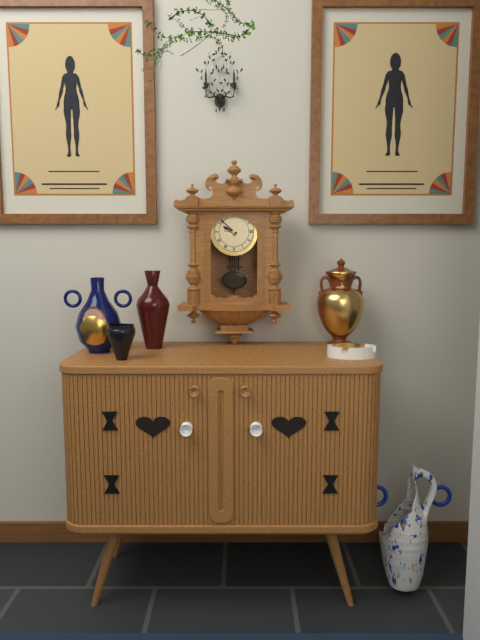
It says 9.52
